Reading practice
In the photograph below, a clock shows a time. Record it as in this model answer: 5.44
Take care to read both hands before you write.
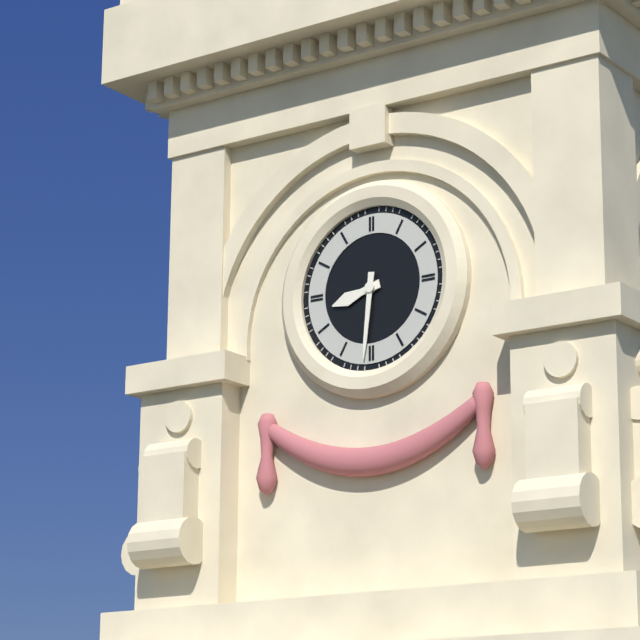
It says 8.31
